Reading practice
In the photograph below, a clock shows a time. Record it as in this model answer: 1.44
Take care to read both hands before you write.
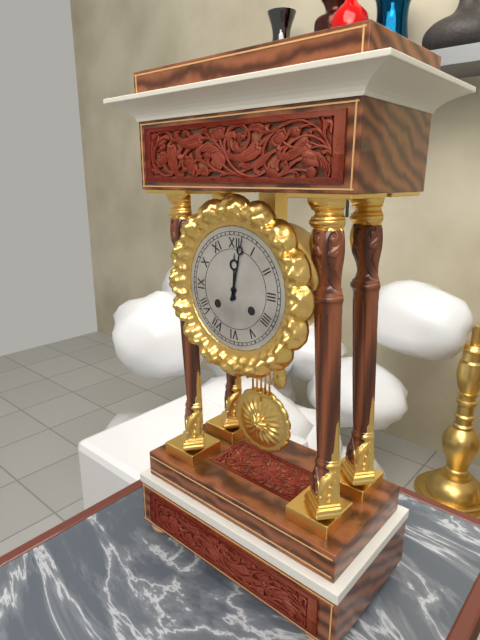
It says 12.02
